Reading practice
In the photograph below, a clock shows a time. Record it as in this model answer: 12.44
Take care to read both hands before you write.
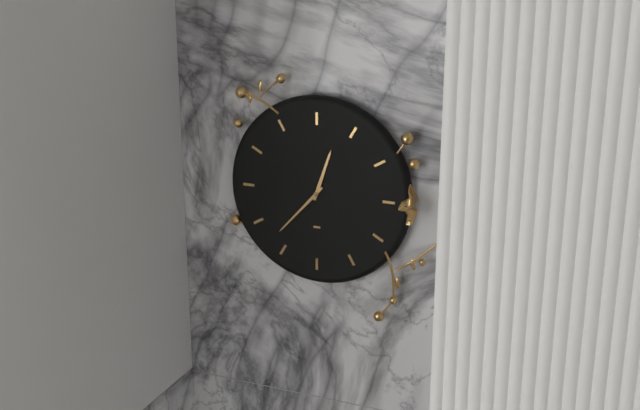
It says 12.37
